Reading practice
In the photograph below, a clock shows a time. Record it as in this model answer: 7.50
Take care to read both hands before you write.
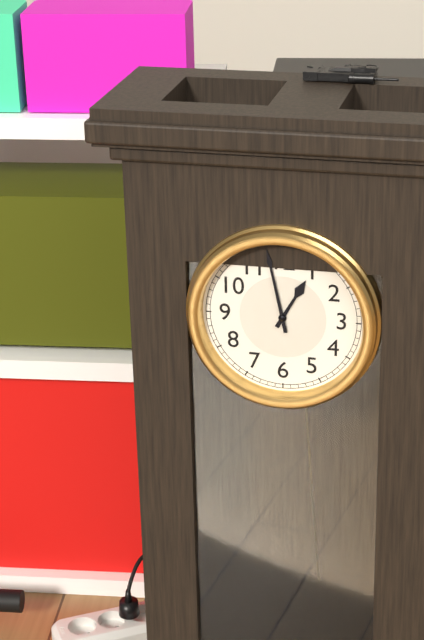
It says 12.58
